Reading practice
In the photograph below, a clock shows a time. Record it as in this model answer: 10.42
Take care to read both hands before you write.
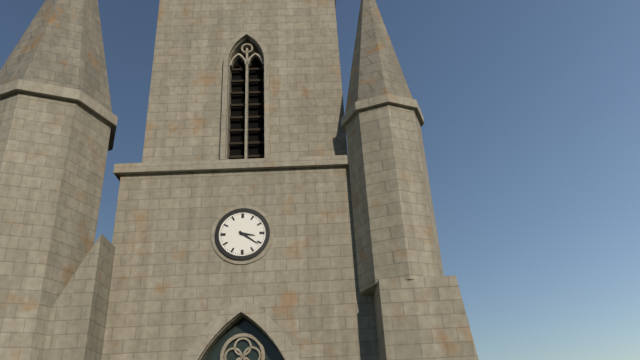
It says 3.21
